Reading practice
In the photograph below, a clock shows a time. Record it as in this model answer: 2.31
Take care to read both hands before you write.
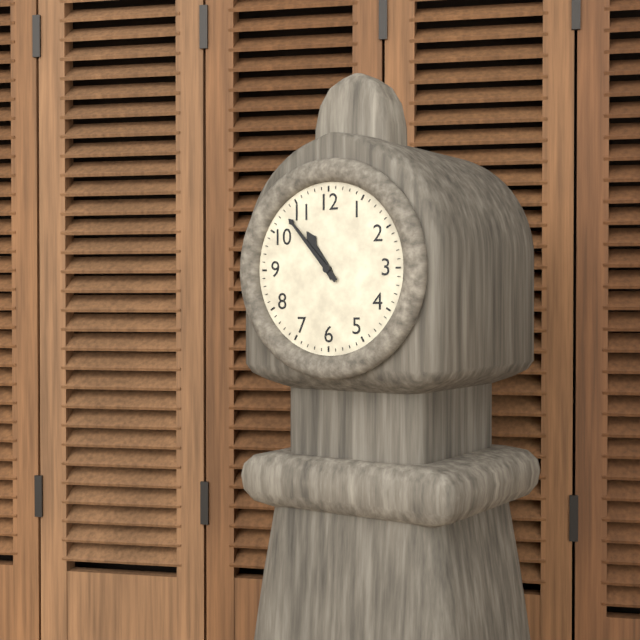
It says 10.53
